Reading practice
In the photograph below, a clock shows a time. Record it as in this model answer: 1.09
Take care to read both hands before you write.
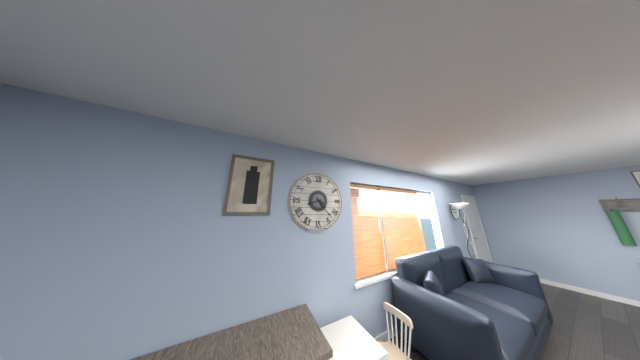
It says 8.23
